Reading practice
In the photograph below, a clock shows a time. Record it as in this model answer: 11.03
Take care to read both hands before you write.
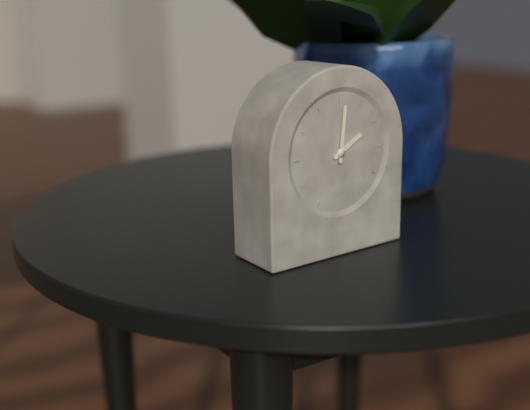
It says 2.01
